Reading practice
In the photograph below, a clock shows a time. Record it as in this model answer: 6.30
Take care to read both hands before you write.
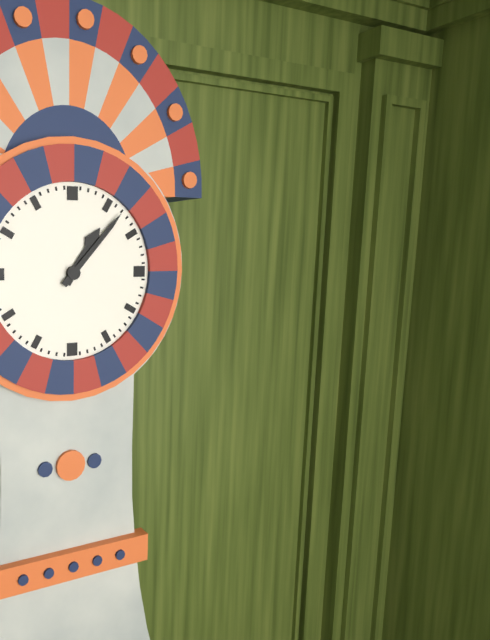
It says 1.07
